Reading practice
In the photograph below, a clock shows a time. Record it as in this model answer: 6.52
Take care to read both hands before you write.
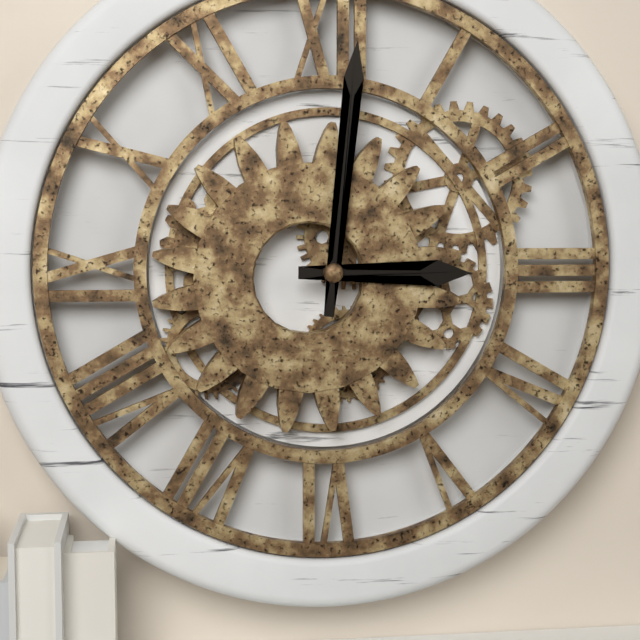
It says 3.01
